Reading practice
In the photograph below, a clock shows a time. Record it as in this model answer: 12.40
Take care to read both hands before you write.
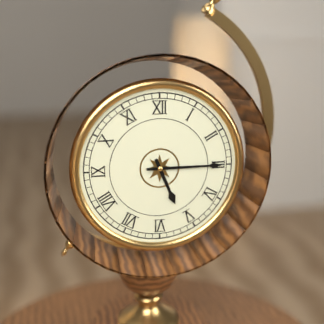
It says 5.15
